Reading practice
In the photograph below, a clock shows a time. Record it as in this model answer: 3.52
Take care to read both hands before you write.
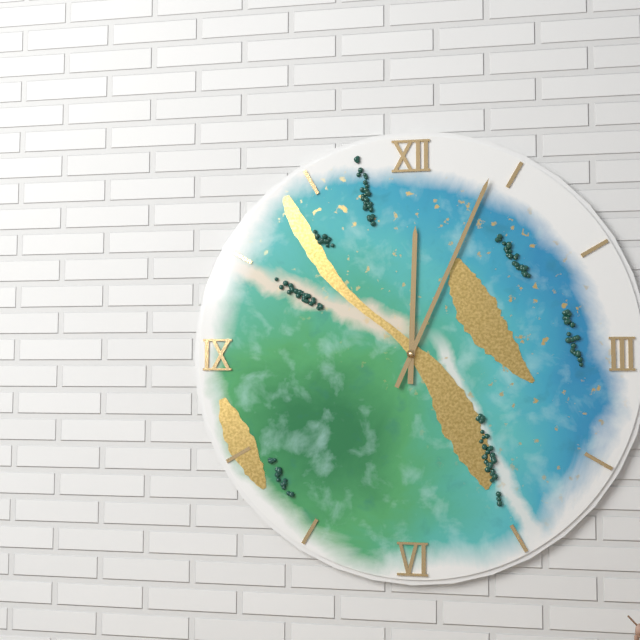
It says 12.04
